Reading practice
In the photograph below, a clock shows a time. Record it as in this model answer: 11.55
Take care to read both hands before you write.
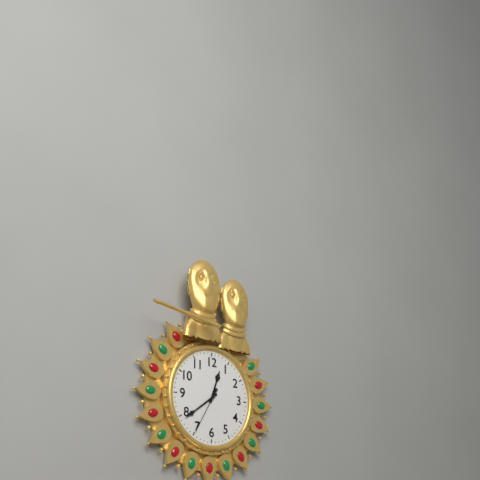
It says 12.39
